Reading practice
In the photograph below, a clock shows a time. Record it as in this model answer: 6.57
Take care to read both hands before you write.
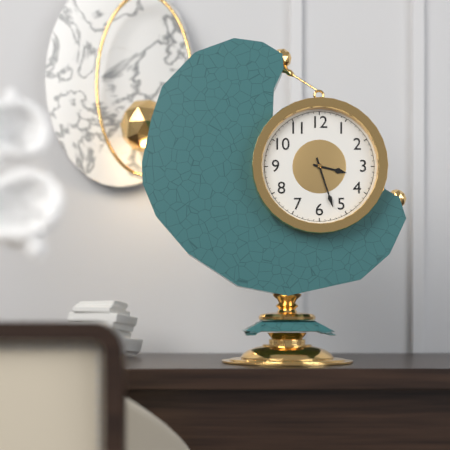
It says 3.27
